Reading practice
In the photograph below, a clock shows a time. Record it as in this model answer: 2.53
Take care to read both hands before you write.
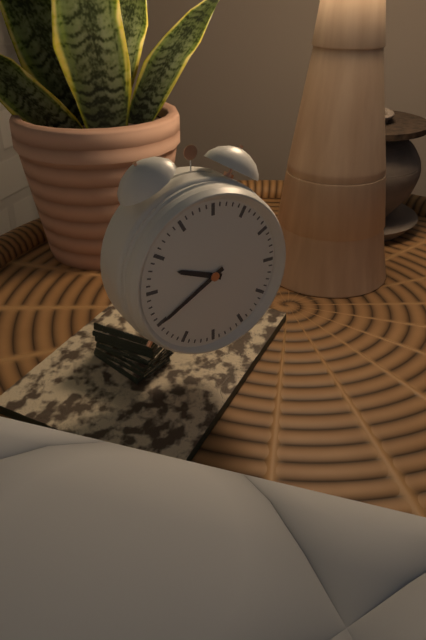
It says 9.40
